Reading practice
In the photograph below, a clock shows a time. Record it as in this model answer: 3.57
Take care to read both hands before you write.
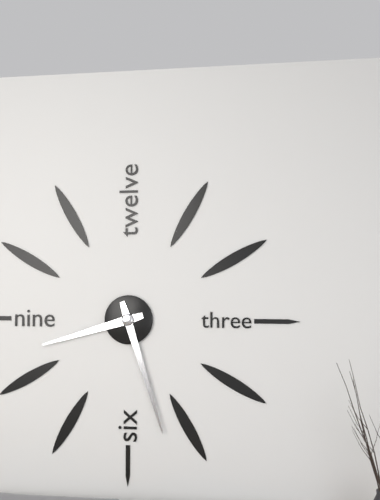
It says 8.27
